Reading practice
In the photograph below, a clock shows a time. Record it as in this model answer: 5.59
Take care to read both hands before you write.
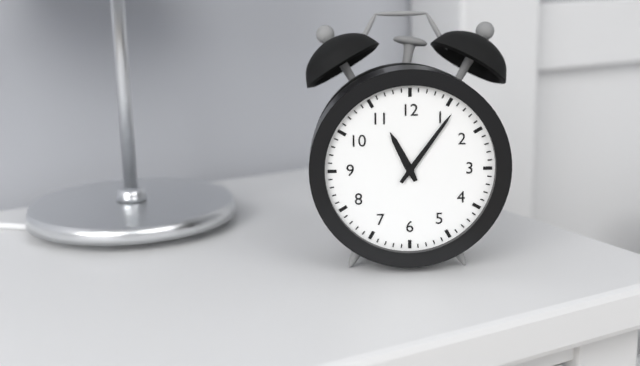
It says 11.06
